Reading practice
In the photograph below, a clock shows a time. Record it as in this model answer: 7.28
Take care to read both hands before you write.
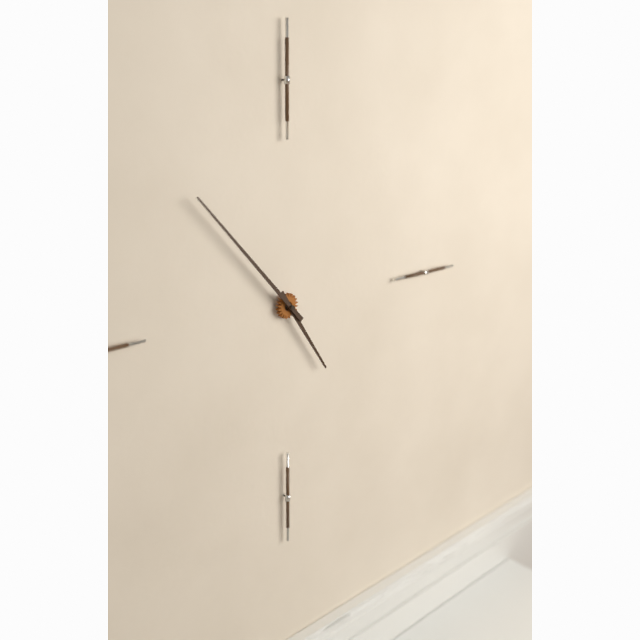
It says 4.53
